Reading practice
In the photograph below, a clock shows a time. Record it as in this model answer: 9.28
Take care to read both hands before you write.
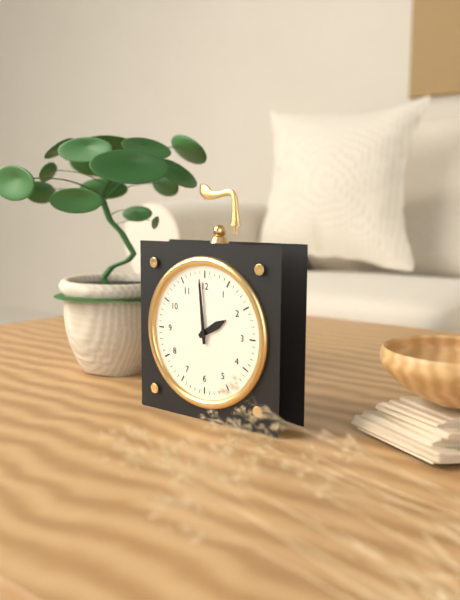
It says 1.59
